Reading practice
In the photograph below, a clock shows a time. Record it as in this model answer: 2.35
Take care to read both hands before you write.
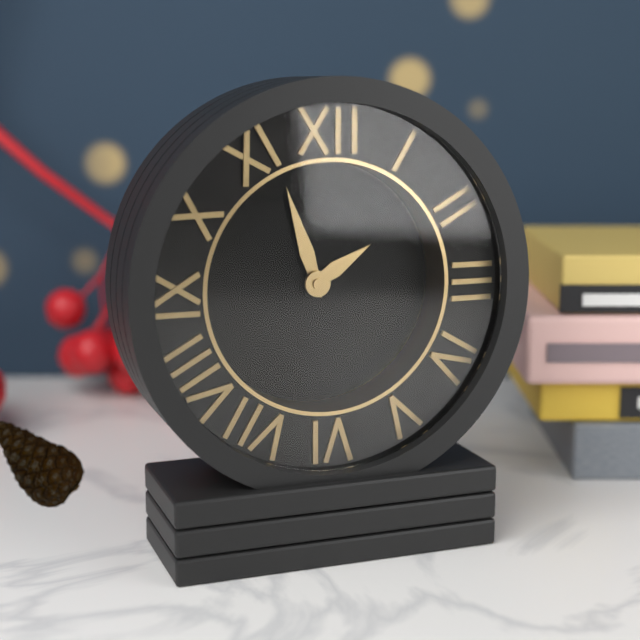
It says 1.57
